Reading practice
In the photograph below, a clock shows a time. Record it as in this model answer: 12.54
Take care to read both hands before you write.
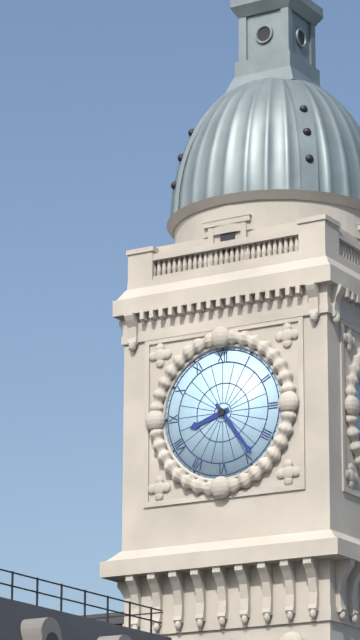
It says 8.24
